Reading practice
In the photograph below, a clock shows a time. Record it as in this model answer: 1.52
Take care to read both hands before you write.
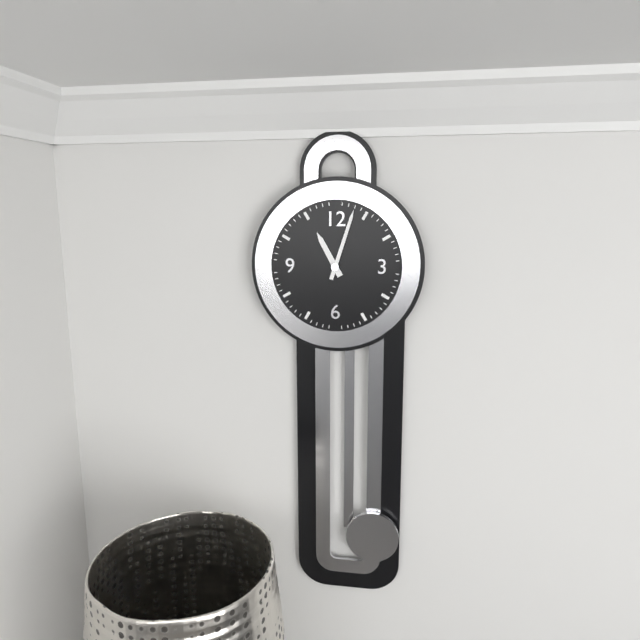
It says 11.03
